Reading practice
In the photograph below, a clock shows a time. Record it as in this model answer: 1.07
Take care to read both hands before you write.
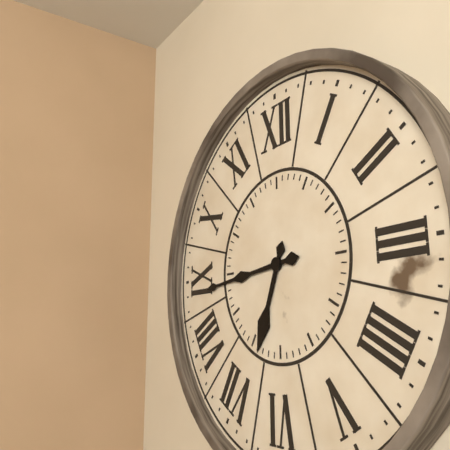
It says 6.44
